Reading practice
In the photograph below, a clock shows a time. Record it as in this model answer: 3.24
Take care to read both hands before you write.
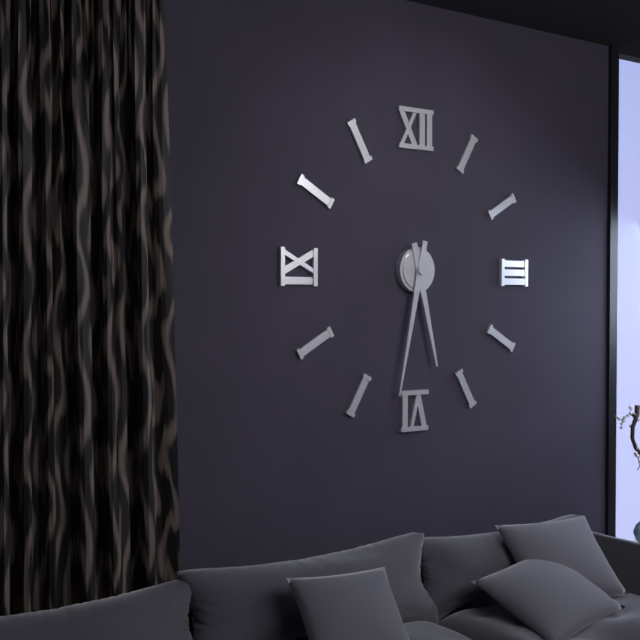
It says 5.32
